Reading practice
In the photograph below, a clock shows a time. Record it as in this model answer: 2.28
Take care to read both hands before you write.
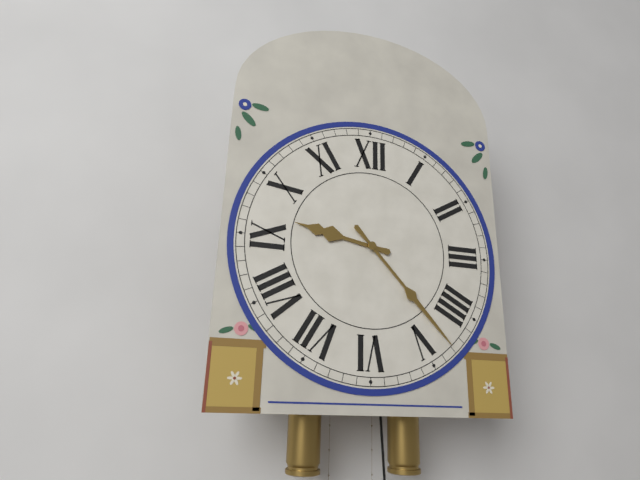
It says 9.23
